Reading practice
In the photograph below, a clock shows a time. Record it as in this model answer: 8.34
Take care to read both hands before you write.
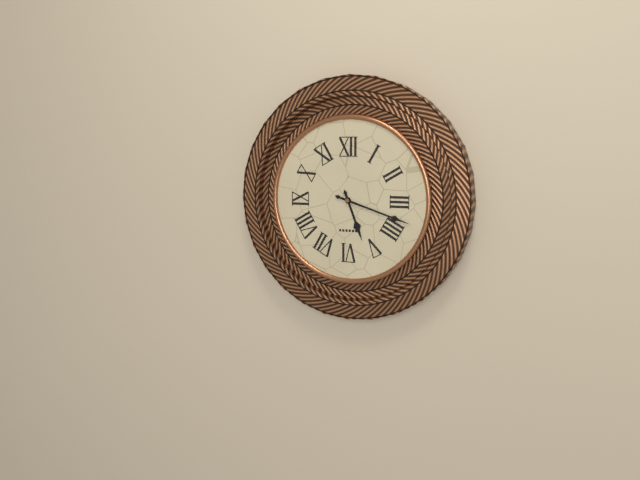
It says 5.18
